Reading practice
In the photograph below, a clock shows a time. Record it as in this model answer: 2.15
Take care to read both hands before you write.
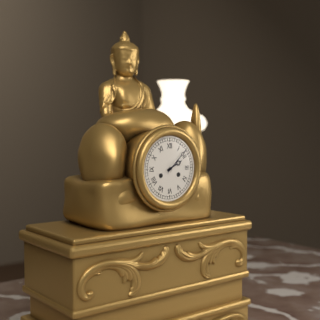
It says 2.08
